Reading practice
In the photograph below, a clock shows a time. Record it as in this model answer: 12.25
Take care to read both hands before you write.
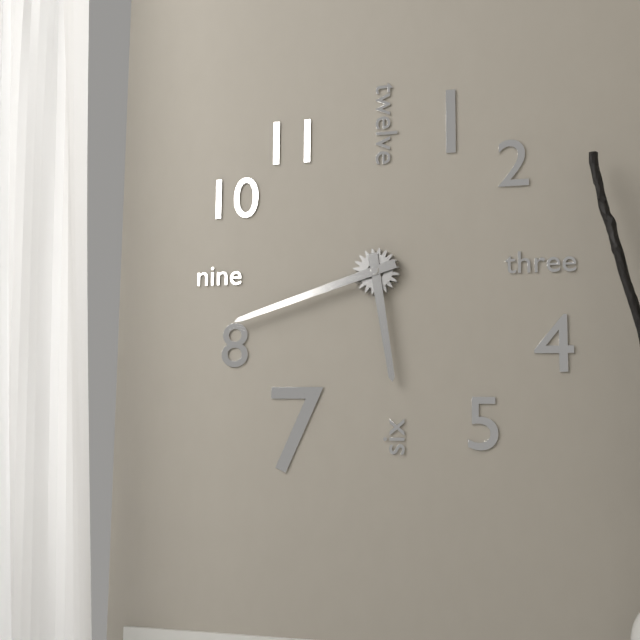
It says 5.42
